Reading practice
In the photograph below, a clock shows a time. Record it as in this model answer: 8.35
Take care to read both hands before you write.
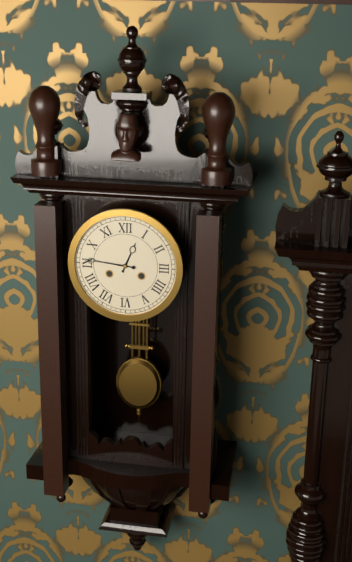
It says 12.46
